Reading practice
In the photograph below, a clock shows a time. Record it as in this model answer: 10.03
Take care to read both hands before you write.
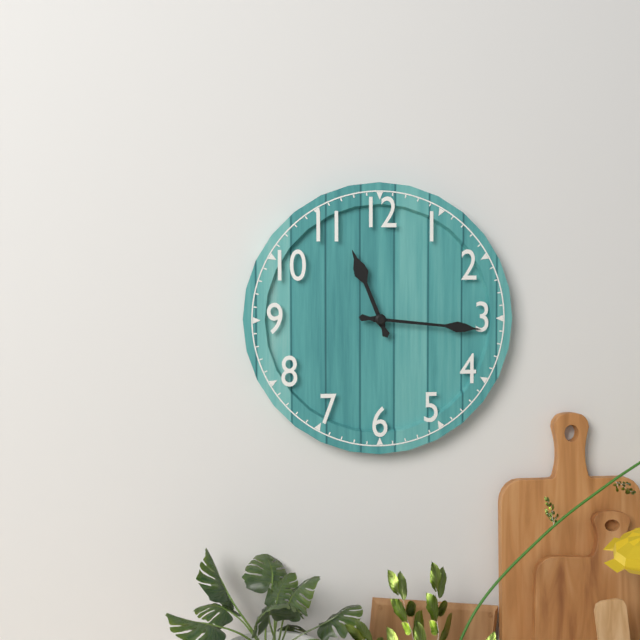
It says 11.16
